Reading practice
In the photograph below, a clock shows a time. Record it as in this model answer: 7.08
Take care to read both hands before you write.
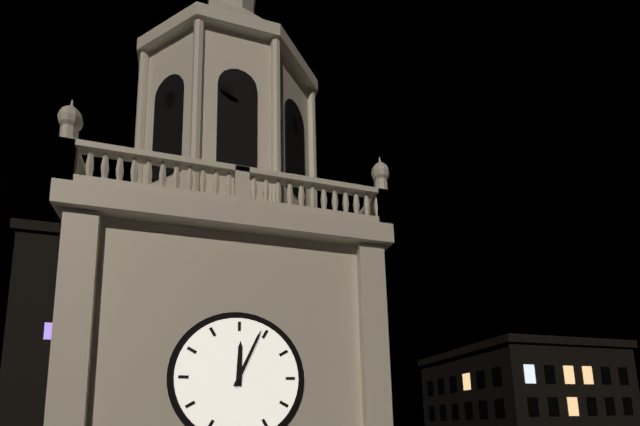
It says 12.04
